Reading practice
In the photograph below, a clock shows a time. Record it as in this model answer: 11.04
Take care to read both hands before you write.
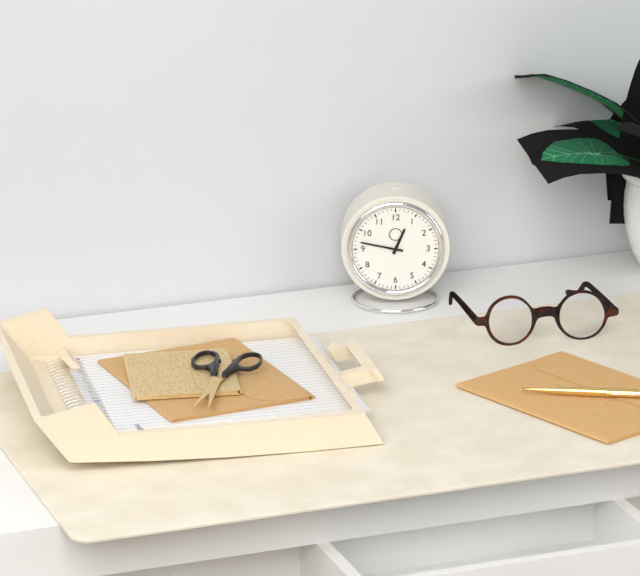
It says 12.47
